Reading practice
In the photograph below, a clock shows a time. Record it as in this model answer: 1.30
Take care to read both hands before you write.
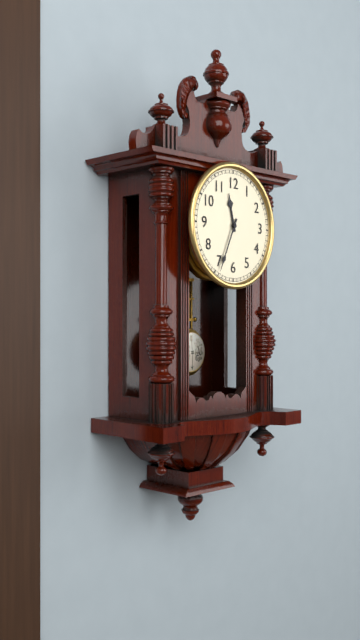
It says 11.34
